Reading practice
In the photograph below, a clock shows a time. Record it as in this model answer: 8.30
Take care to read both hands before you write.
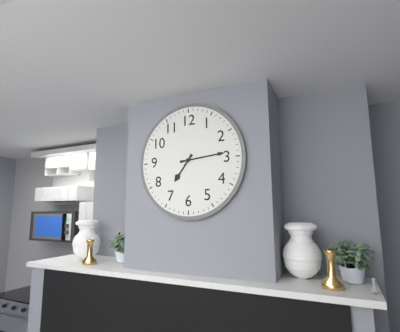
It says 7.14
